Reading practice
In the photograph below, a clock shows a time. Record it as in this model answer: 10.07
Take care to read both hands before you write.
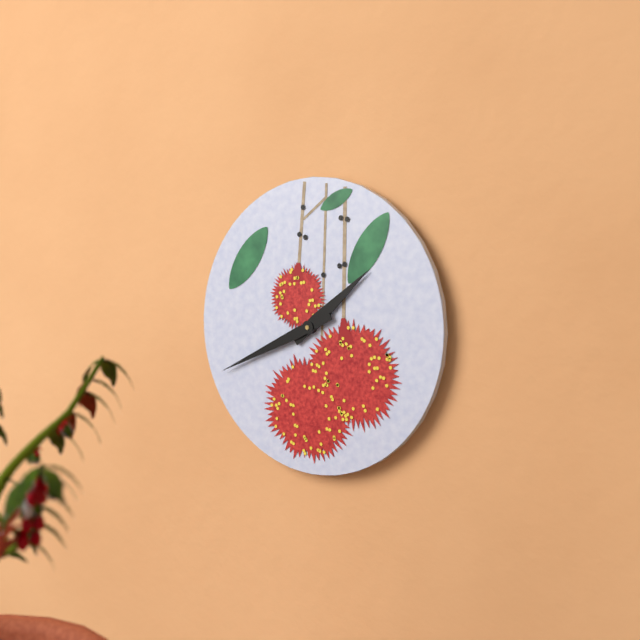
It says 1.41
